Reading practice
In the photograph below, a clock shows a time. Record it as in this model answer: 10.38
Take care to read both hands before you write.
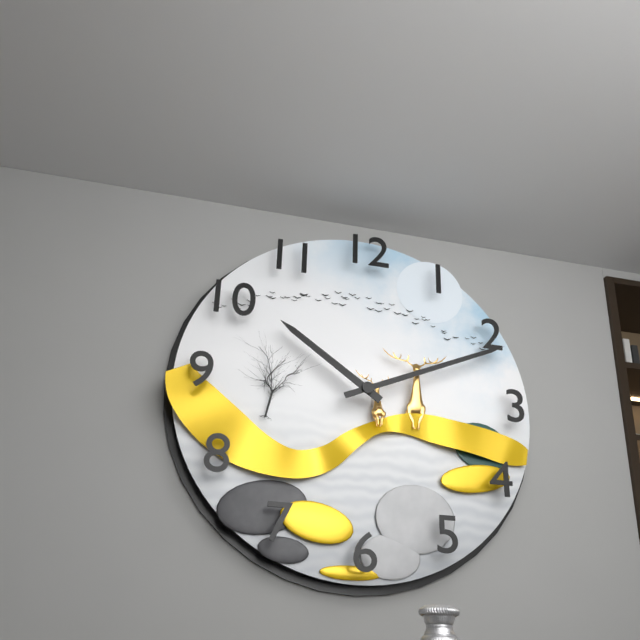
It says 10.11
